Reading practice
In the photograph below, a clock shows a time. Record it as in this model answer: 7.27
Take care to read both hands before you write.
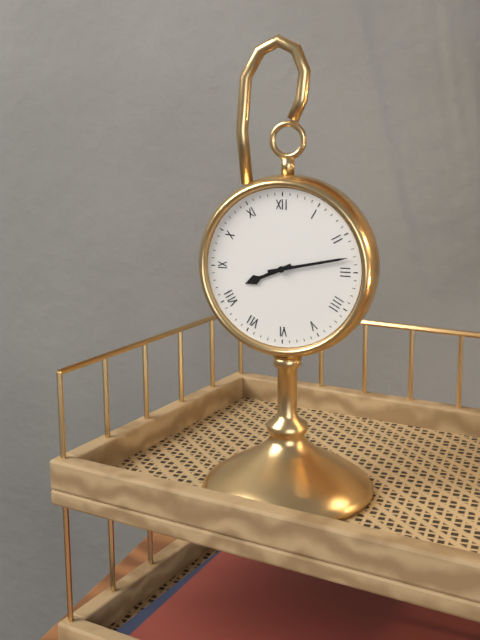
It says 8.13
